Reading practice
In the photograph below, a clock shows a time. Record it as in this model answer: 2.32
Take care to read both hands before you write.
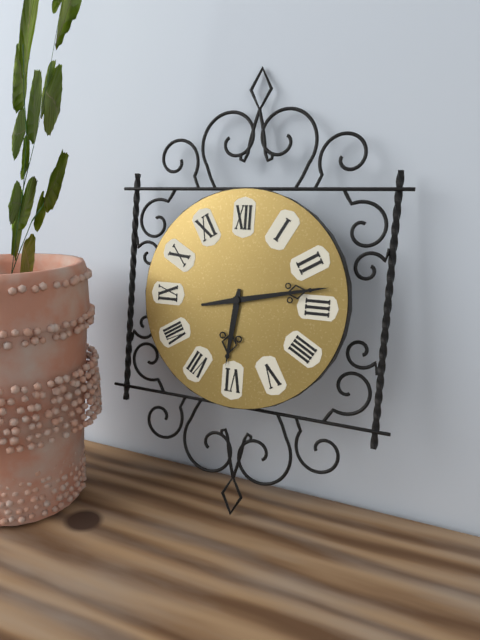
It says 6.13
